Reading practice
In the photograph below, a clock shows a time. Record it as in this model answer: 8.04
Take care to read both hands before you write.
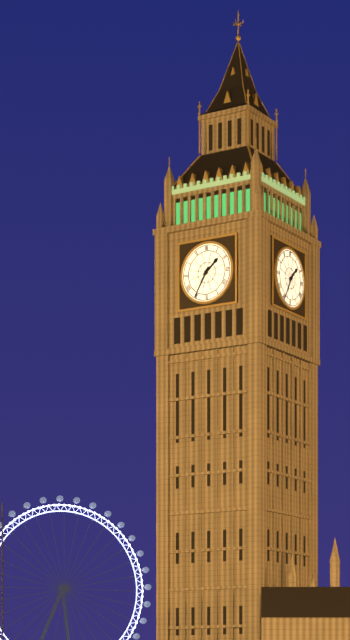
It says 1.35
